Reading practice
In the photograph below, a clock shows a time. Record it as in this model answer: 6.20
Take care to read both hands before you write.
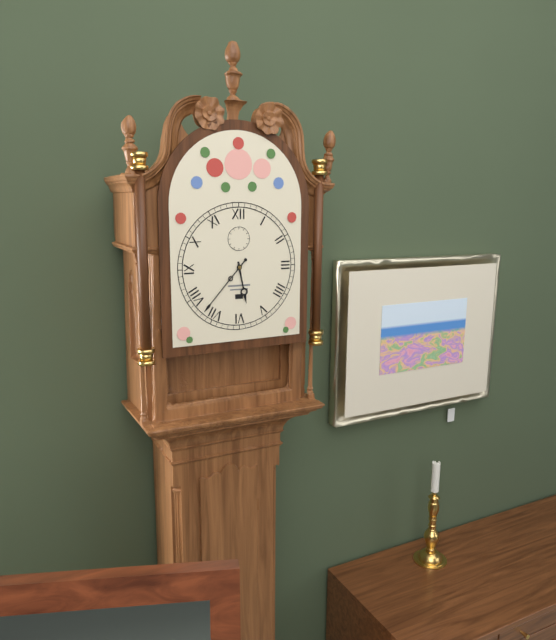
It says 5.37
